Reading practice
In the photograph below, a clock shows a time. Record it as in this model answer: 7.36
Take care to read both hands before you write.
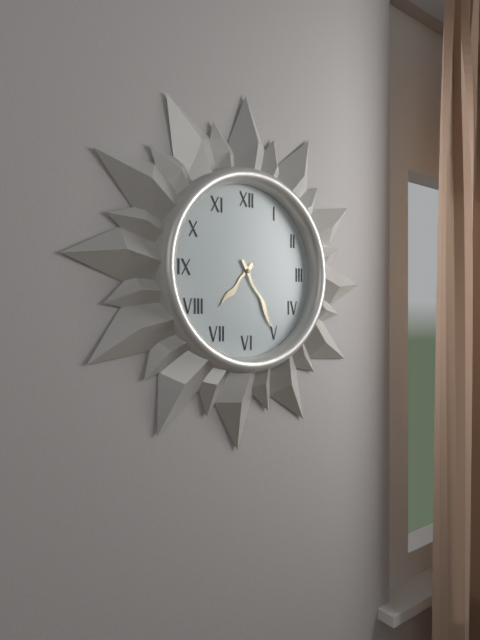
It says 7.25
